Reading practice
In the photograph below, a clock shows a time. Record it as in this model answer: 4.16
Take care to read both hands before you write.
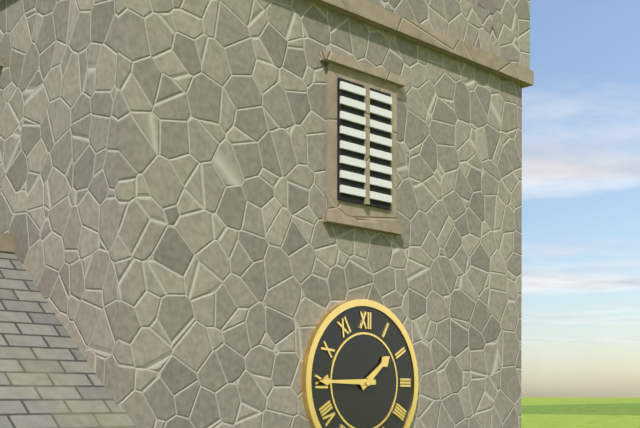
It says 1.45
